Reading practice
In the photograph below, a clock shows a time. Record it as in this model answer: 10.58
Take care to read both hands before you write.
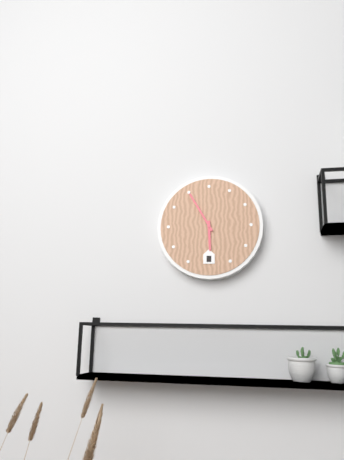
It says 5.55
